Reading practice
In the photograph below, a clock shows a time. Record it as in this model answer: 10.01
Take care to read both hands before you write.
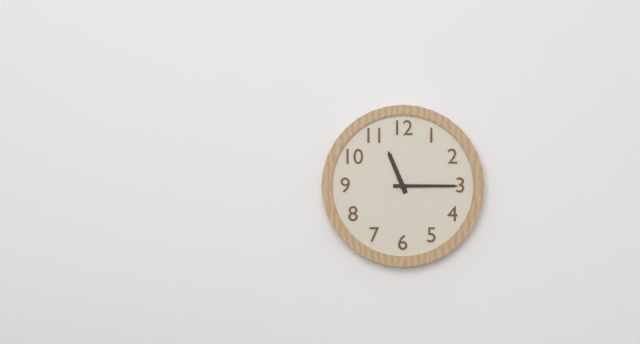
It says 11.15
